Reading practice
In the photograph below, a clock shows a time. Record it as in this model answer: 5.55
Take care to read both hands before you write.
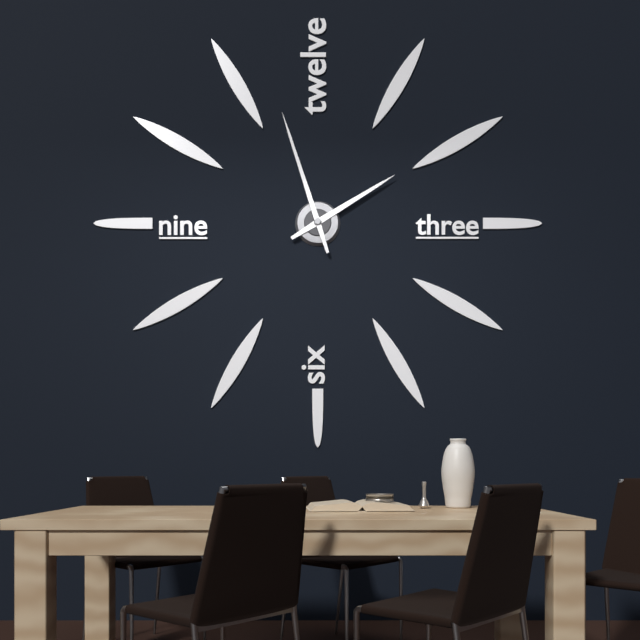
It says 1.57
